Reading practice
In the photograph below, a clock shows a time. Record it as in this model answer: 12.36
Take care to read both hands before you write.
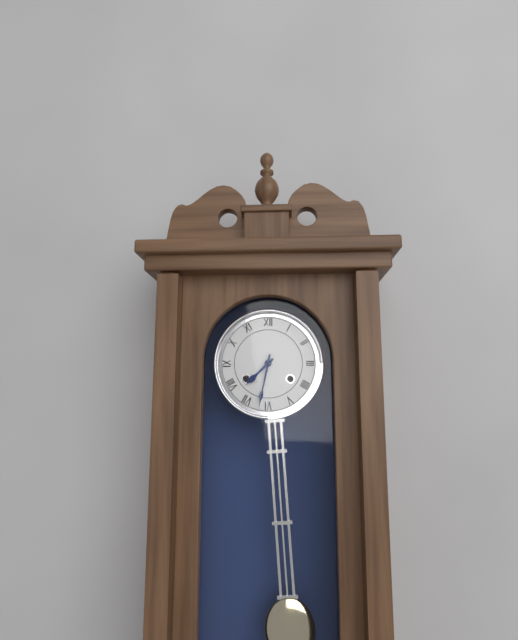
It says 7.32
